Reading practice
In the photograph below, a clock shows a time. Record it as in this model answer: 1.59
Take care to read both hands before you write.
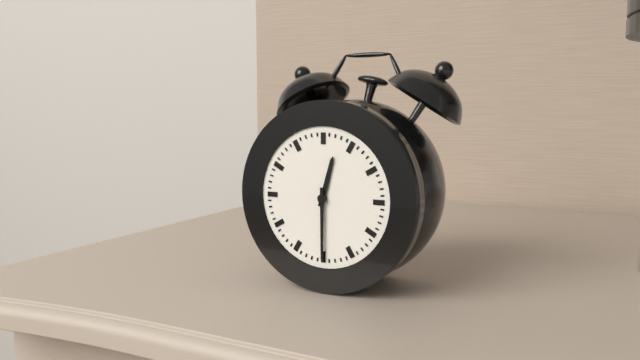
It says 12.30
